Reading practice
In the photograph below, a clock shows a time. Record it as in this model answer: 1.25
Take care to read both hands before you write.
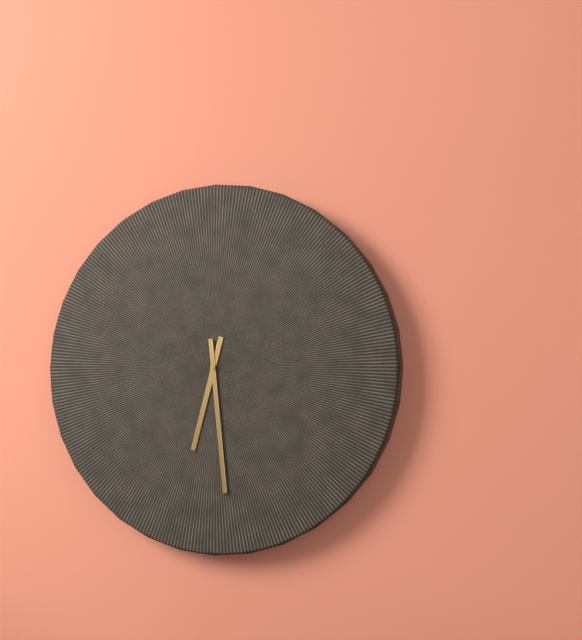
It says 6.29
